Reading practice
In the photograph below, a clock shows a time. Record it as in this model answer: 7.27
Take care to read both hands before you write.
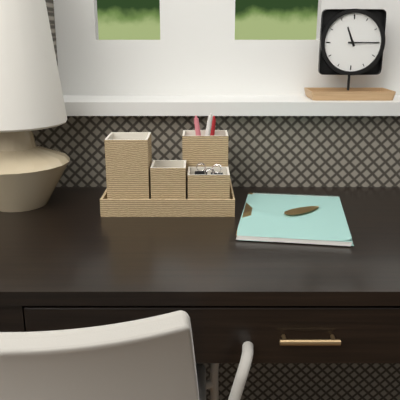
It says 11.15
